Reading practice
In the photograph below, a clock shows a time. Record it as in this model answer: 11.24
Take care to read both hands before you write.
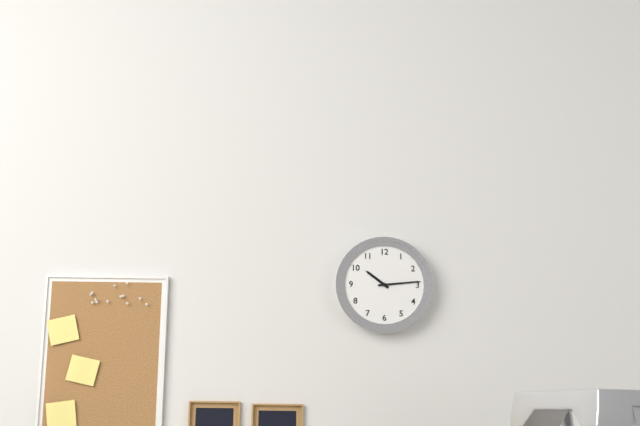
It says 10.14
